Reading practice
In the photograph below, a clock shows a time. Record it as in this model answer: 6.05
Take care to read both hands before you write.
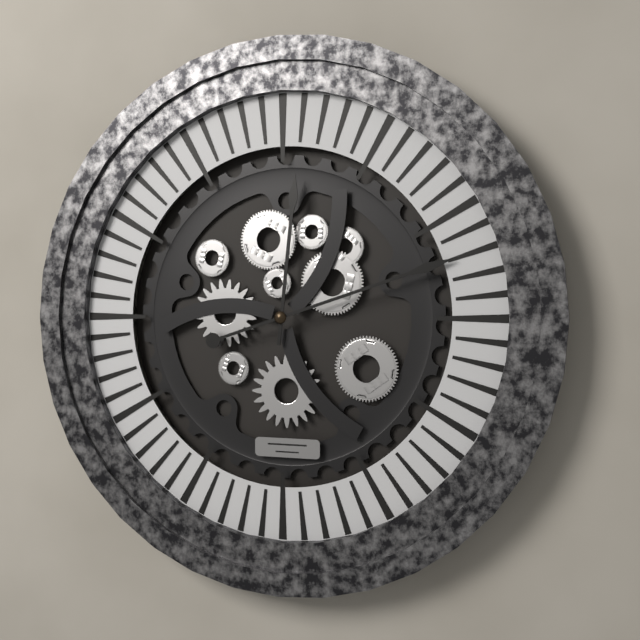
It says 12.12
